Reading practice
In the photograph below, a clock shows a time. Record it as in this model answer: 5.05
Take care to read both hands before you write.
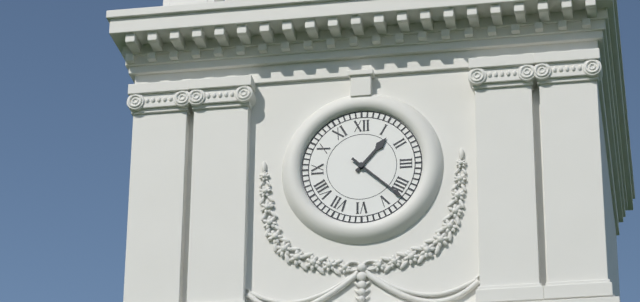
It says 1.22
